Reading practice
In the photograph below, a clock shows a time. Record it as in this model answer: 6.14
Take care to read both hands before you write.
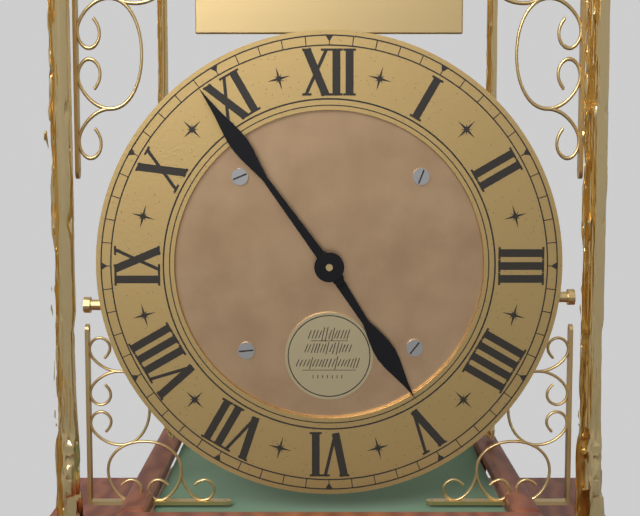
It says 4.54
